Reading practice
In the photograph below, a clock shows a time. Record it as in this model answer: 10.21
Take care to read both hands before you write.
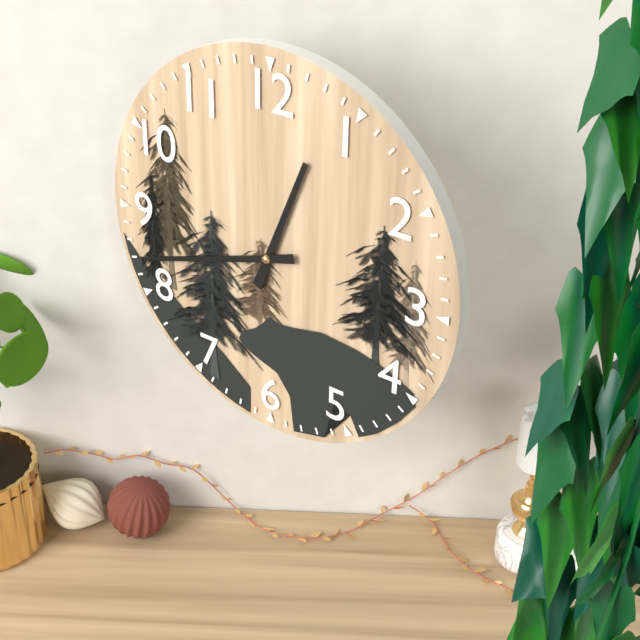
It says 12.42
